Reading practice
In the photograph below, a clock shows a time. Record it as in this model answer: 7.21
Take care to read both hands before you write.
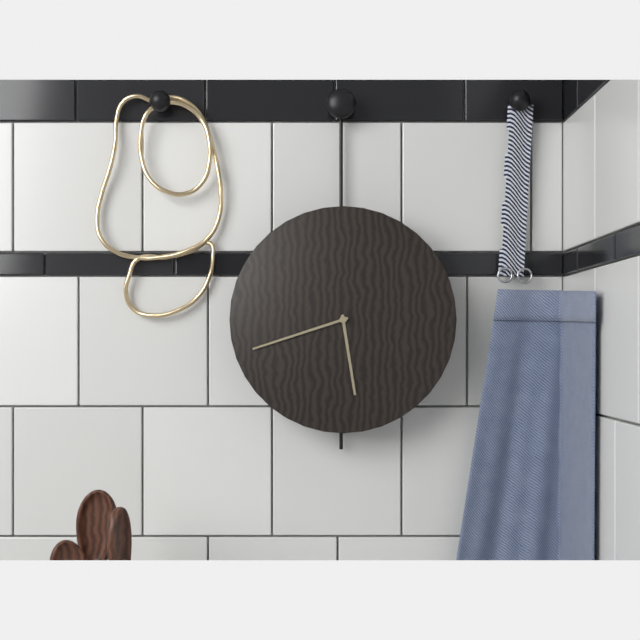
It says 5.42
